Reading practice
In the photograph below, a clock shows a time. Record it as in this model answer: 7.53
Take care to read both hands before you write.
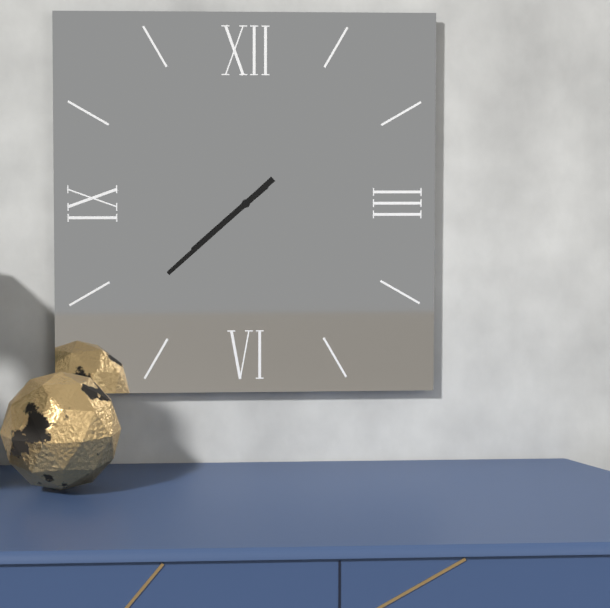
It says 7.38
